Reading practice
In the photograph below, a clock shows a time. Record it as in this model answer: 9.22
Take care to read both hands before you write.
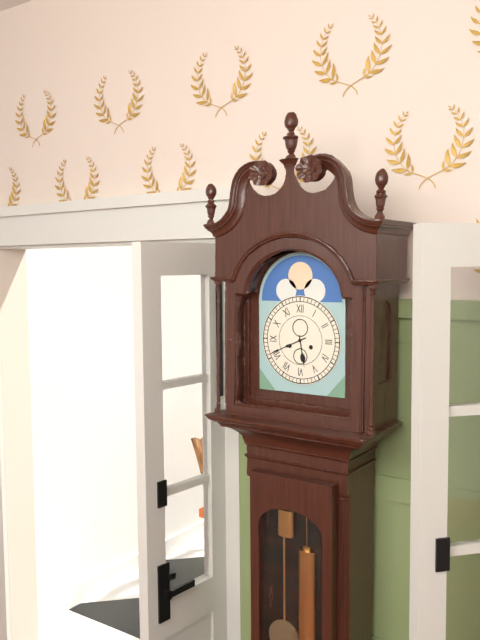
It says 5.41
